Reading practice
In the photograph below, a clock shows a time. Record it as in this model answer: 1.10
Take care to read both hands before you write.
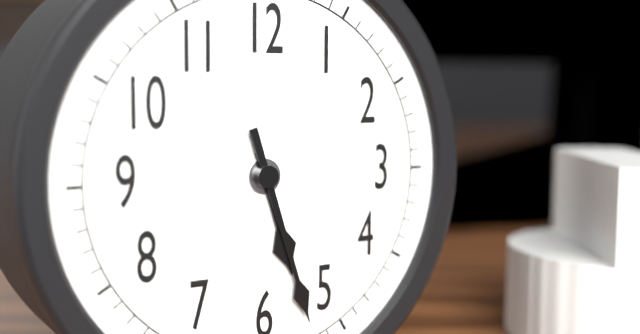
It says 5.27
